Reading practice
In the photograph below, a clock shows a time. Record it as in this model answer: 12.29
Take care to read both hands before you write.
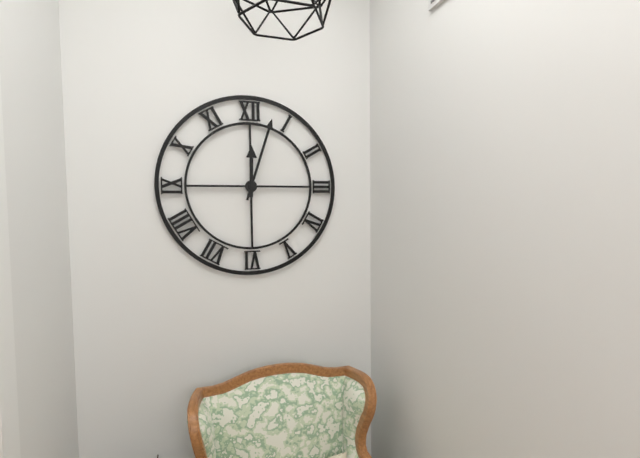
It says 12.03
